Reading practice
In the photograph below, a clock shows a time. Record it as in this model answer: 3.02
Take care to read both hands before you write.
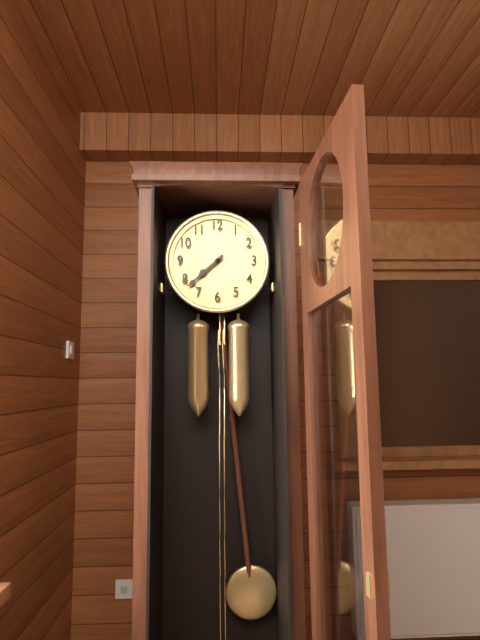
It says 7.38
